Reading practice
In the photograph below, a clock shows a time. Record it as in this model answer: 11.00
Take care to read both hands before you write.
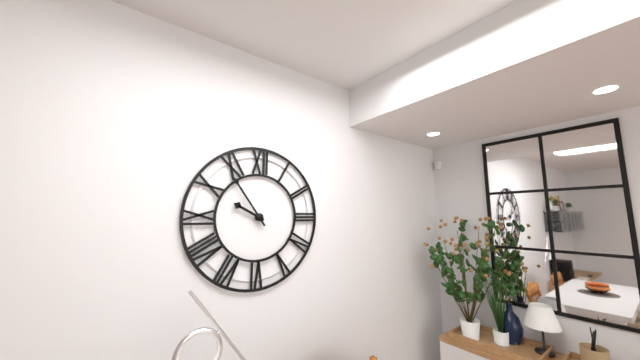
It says 9.54
